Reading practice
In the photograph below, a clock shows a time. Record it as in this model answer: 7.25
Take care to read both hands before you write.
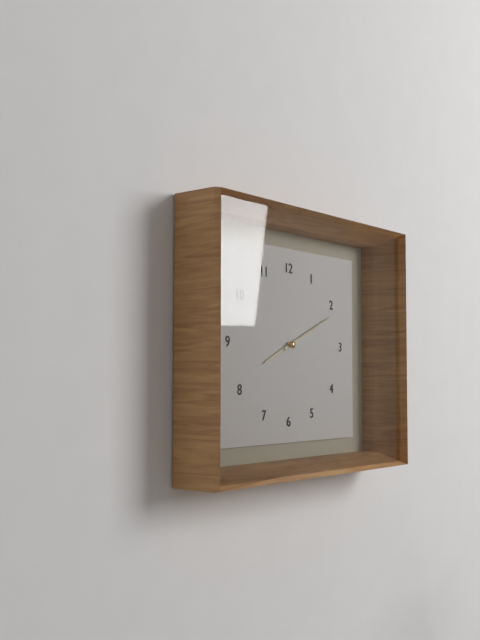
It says 8.11
